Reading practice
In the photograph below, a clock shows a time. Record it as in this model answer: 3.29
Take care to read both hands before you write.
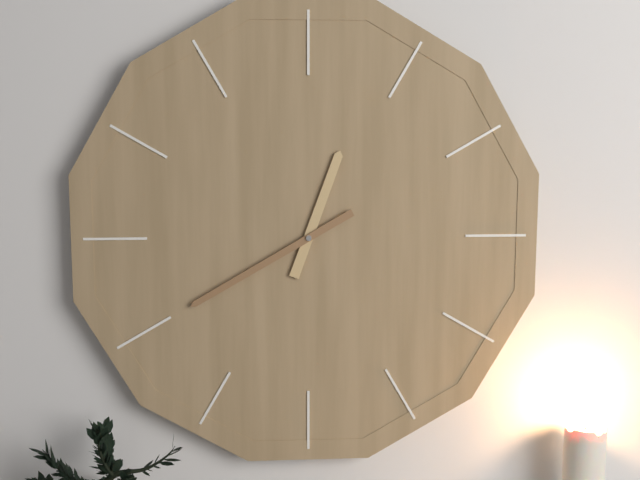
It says 12.40
